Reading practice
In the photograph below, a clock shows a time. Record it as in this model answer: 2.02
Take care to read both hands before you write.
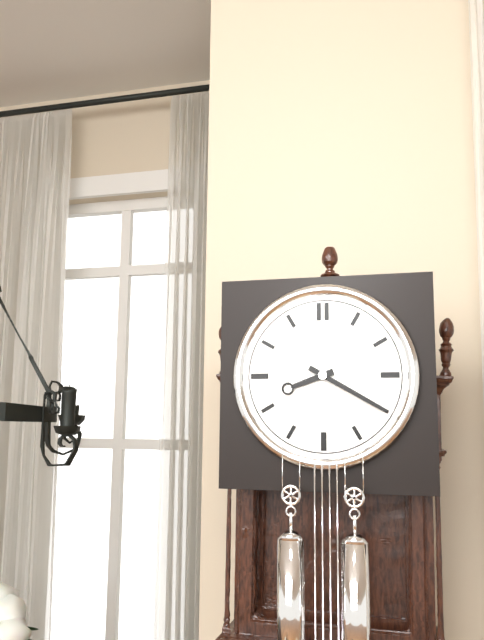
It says 8.20
